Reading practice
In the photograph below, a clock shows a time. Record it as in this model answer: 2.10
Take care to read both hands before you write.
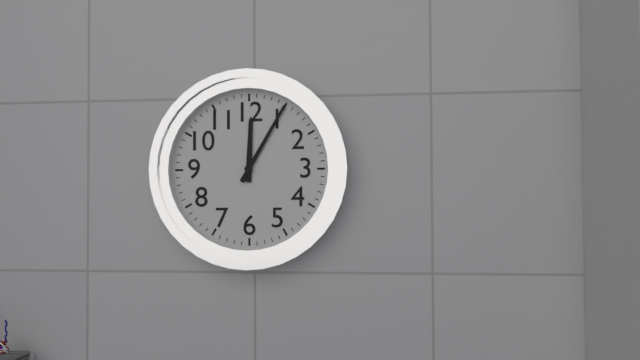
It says 12.05
